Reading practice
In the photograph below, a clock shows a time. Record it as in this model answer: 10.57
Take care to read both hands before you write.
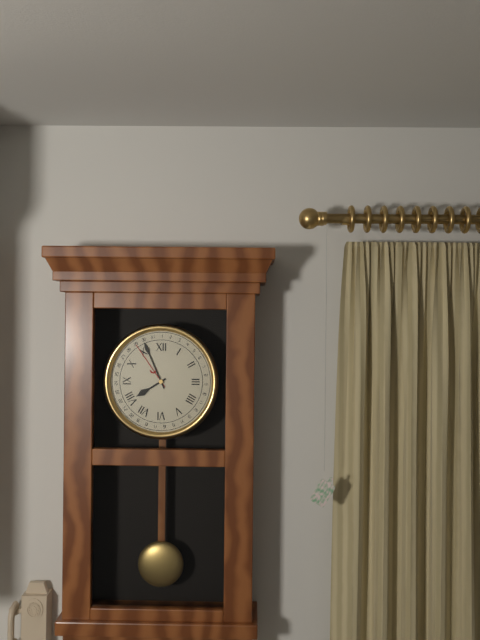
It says 7.56
